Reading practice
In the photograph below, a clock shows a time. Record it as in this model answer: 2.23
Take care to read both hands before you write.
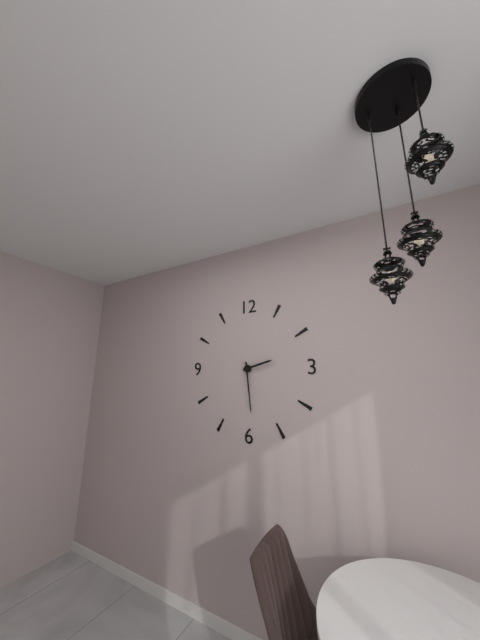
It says 2.29
